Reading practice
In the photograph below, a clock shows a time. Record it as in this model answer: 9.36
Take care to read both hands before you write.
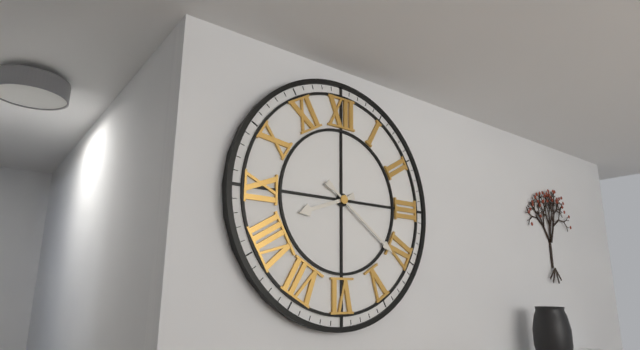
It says 8.21
